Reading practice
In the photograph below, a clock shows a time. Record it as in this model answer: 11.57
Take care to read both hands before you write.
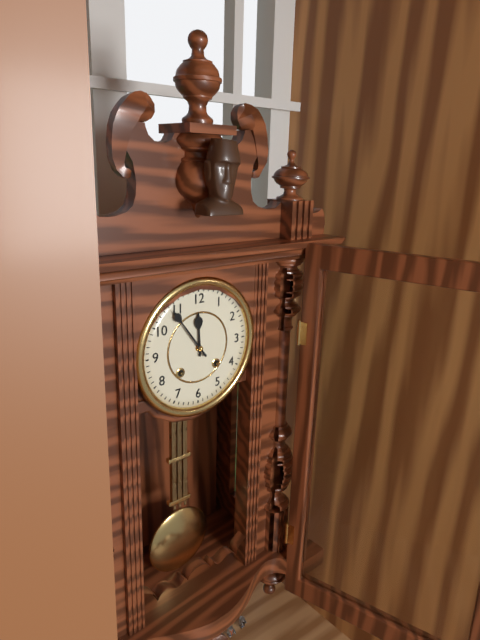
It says 11.54
